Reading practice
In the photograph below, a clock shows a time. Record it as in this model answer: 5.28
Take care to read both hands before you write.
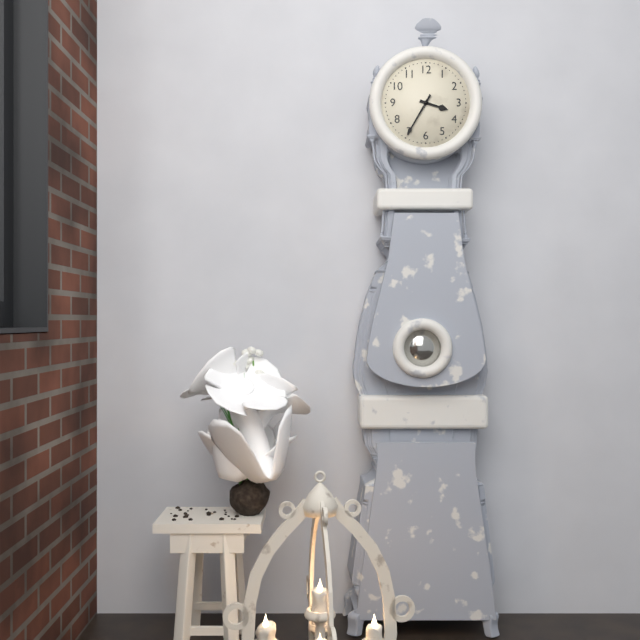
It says 3.35
